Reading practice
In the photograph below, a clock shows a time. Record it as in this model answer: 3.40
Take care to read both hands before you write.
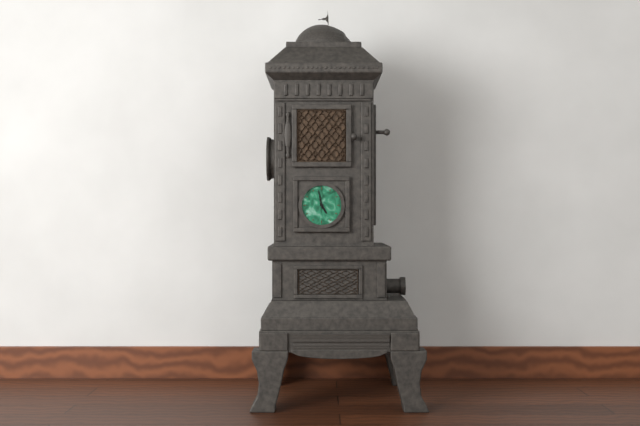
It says 4.58
